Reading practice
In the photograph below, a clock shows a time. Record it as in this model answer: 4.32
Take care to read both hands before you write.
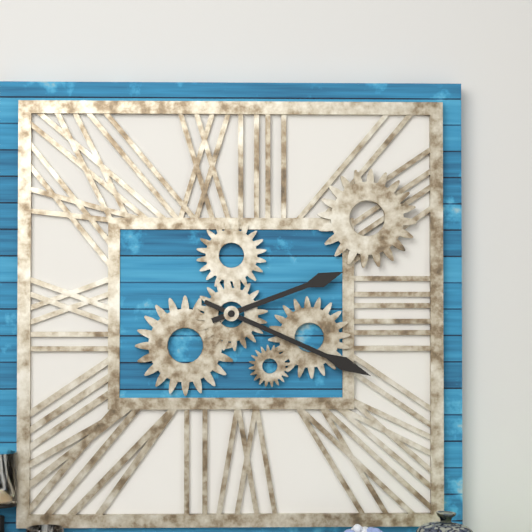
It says 2.19
